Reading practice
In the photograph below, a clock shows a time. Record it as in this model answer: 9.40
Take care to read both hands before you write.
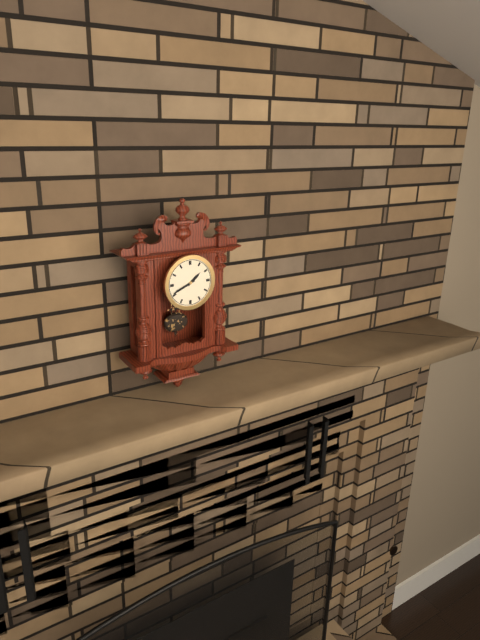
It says 1.41
